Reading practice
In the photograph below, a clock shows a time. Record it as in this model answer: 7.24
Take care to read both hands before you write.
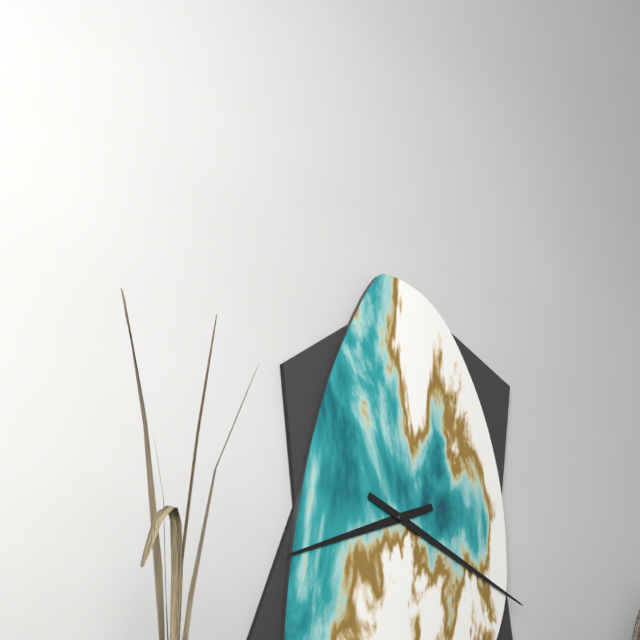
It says 8.19
